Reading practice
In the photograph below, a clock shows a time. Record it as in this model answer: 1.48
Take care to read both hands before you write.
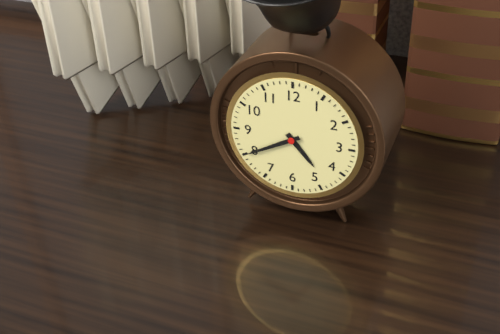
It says 4.40
